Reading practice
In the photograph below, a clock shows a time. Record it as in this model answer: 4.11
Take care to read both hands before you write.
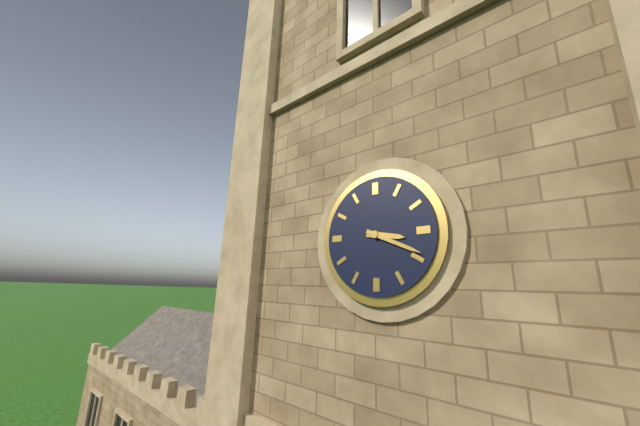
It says 3.19
